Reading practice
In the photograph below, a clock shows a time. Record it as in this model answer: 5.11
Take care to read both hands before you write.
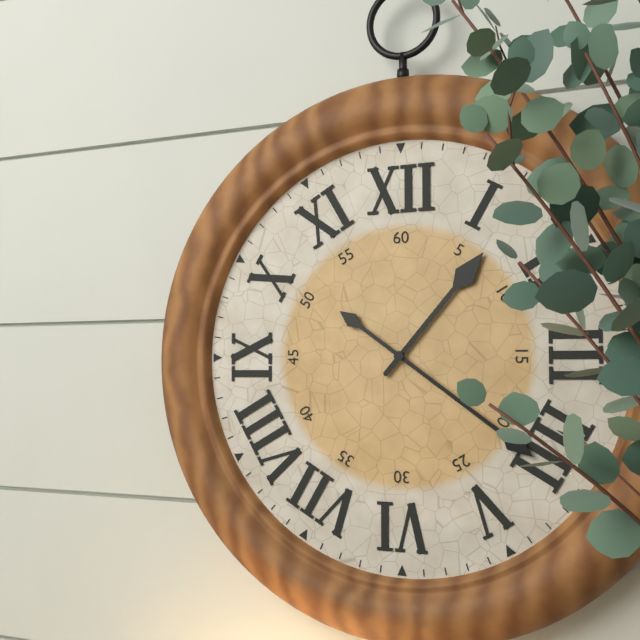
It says 1.21
